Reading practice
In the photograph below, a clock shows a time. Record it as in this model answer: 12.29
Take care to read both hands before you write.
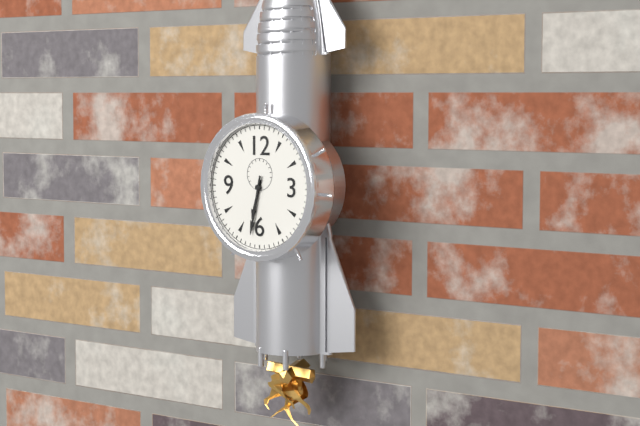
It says 6.32
